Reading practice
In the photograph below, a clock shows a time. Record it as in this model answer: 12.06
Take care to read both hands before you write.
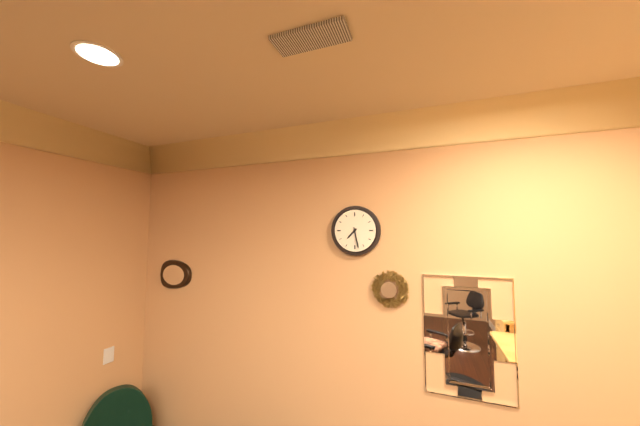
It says 7.28
